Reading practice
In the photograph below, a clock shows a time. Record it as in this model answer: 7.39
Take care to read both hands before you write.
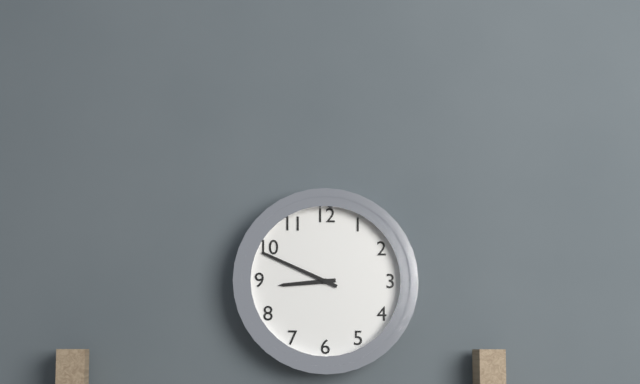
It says 8.49
